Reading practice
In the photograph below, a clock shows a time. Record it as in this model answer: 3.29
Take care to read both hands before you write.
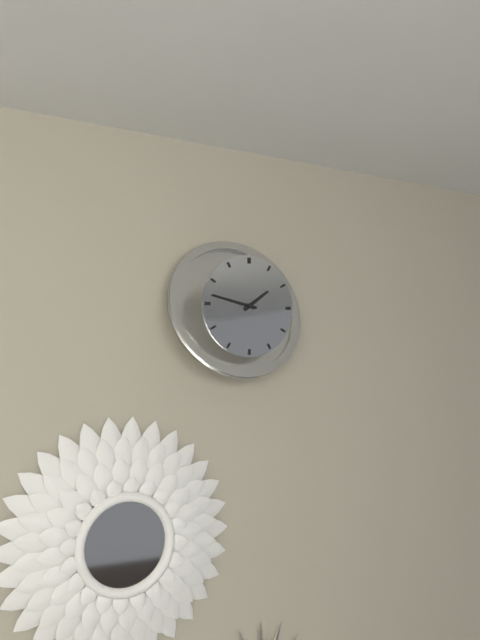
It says 1.47
